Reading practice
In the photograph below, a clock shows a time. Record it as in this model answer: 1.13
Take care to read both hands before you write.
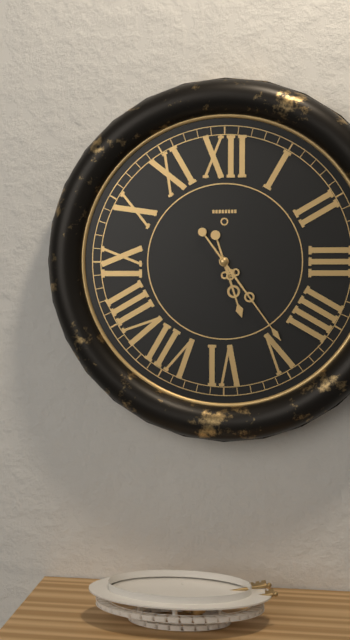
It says 5.24
